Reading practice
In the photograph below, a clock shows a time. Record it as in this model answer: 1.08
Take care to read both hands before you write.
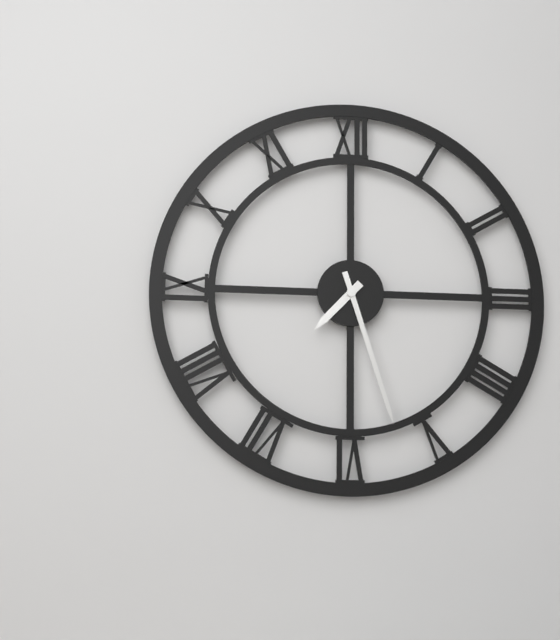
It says 7.27
